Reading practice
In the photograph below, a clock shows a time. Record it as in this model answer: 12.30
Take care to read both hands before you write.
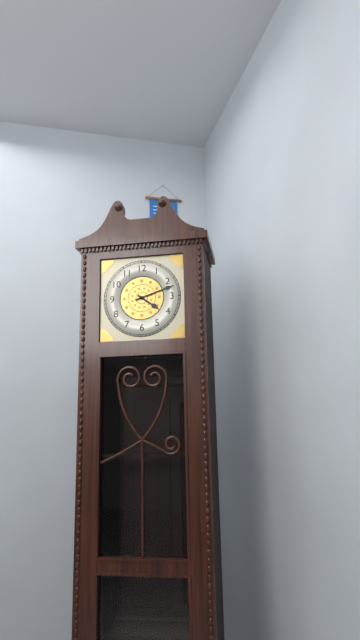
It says 4.12
